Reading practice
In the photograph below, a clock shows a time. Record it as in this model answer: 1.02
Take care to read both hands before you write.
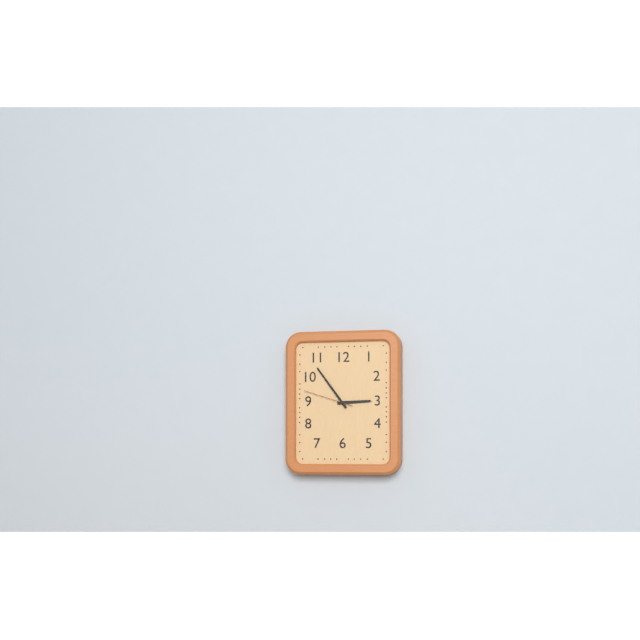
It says 2.54
